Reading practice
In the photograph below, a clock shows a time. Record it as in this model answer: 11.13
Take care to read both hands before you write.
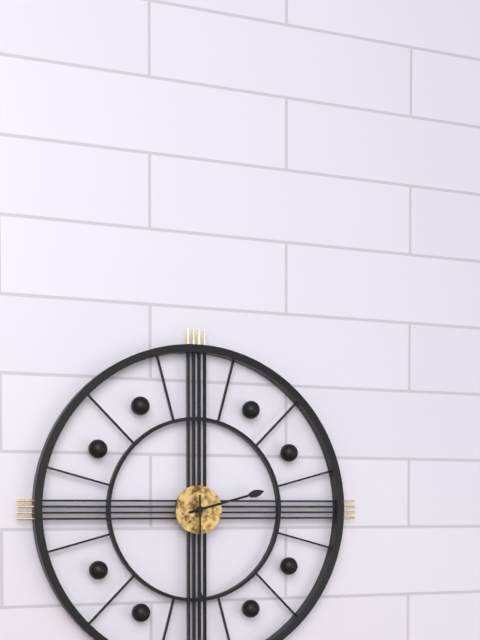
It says 2.30
